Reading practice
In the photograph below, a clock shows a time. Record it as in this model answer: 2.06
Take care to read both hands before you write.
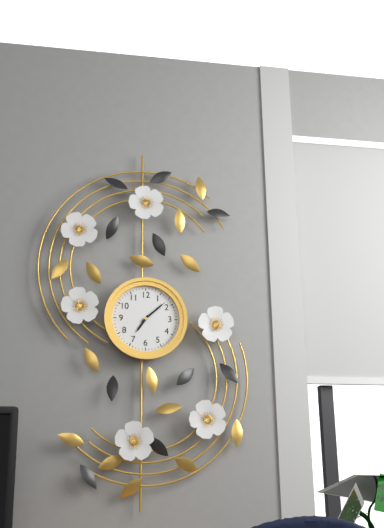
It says 7.08
